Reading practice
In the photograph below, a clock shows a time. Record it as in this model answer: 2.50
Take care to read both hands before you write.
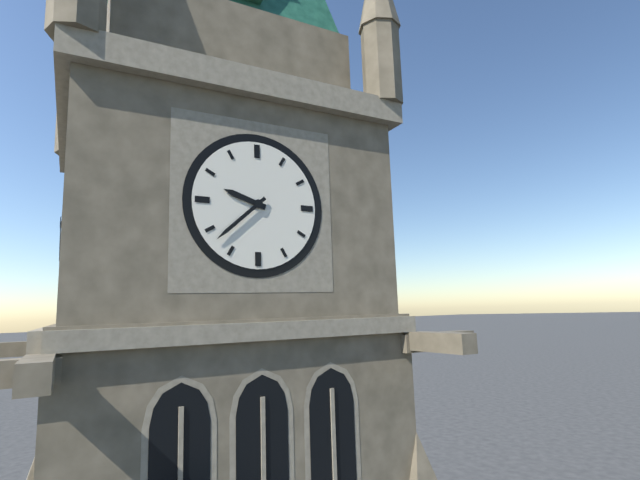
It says 9.38
